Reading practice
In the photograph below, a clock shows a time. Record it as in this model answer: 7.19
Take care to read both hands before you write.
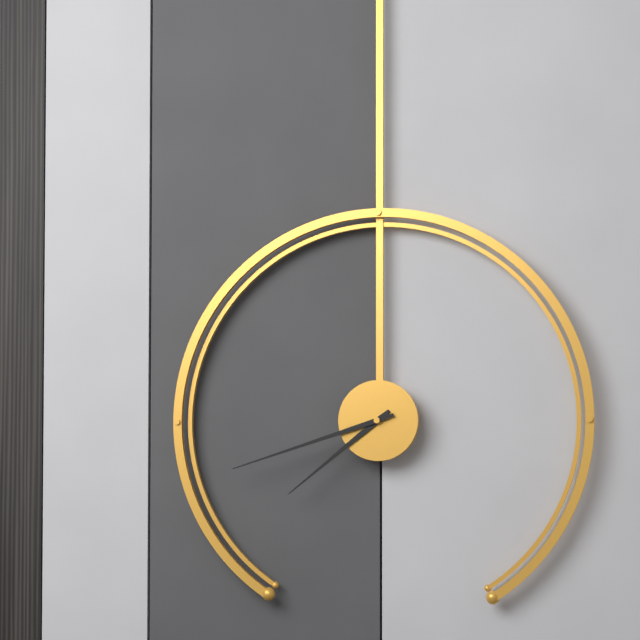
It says 7.42
